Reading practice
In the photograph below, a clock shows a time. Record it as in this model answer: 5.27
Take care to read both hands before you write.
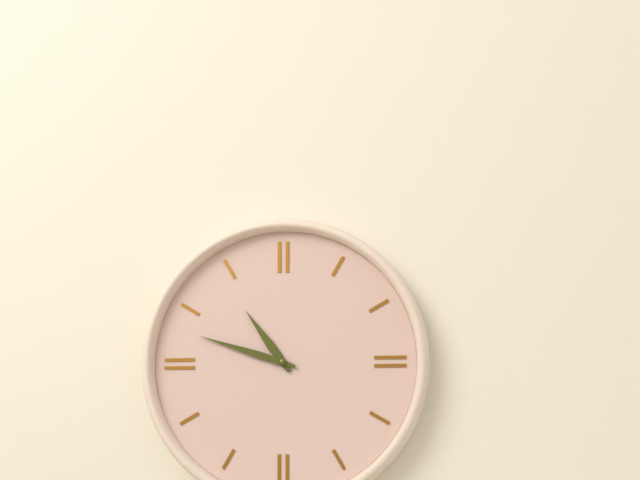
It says 10.48
